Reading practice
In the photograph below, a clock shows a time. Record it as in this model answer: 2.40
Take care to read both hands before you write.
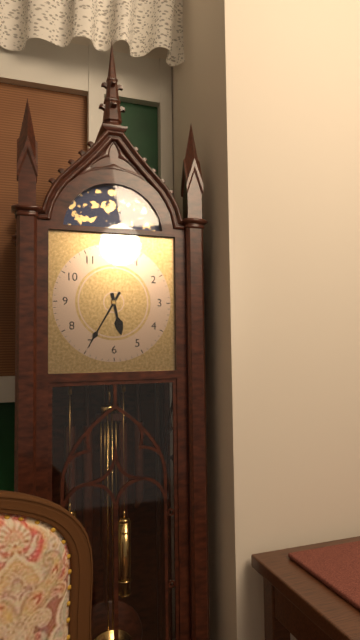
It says 5.35
